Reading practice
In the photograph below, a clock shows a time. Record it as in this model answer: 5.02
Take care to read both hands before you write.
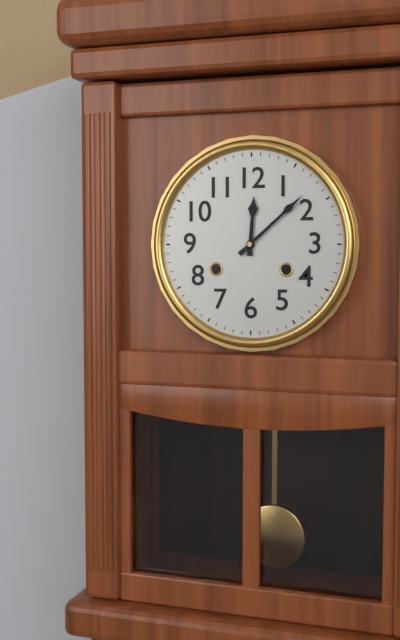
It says 12.08
